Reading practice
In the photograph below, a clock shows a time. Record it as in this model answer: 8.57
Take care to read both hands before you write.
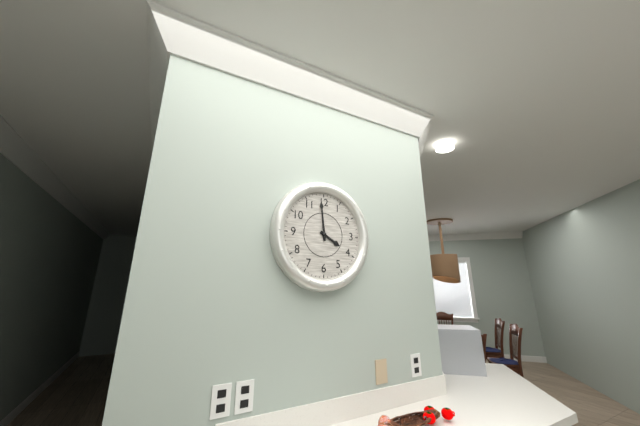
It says 3.59
